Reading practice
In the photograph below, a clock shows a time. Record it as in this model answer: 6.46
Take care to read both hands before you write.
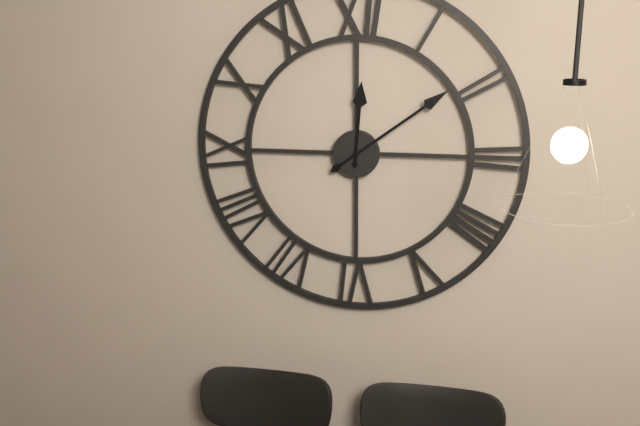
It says 12.09
